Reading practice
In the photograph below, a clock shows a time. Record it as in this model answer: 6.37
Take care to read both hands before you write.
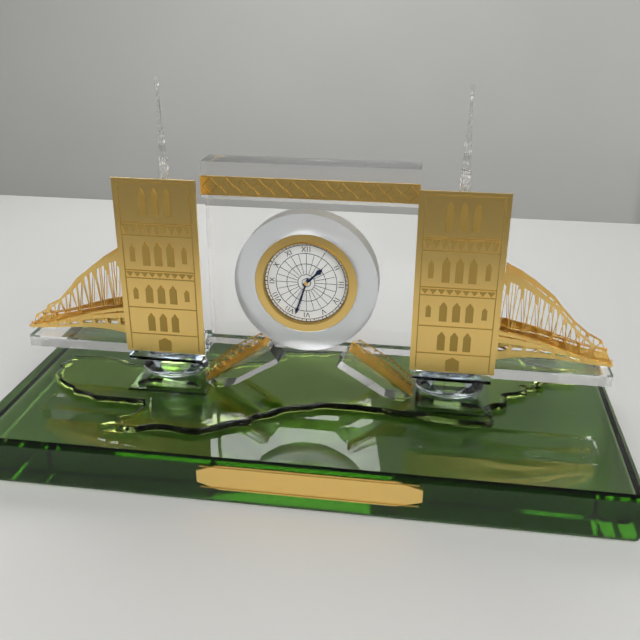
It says 1.33
